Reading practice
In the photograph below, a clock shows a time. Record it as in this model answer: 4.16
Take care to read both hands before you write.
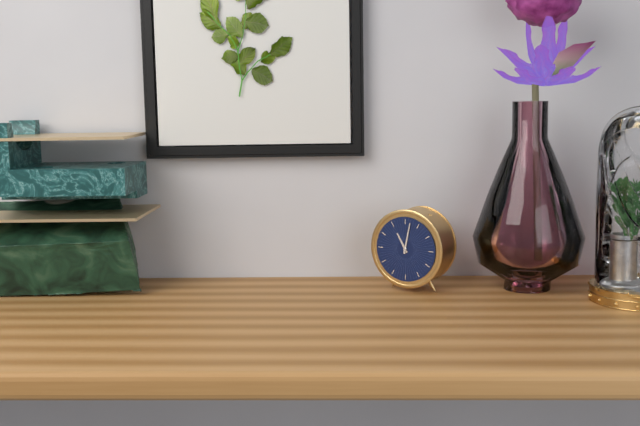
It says 11.02
